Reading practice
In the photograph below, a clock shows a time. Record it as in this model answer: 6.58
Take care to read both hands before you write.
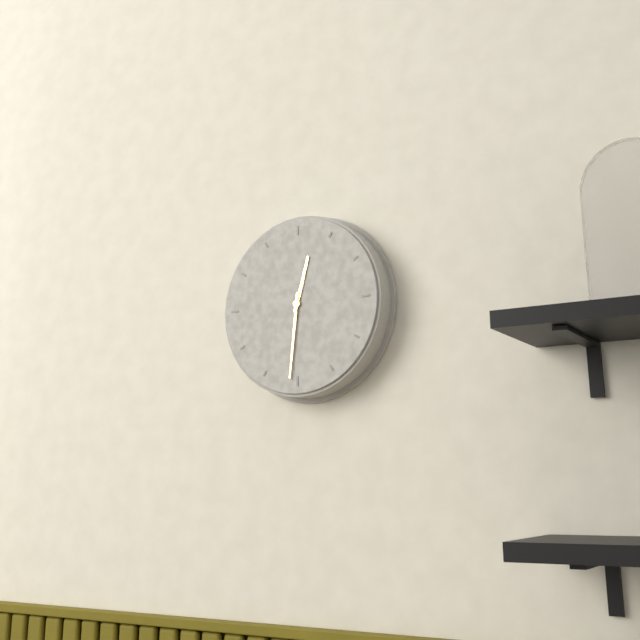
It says 12.31
